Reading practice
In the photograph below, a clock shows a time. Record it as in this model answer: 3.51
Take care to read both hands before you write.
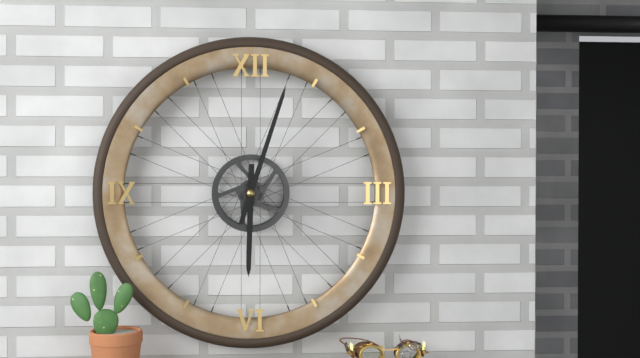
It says 6.03
